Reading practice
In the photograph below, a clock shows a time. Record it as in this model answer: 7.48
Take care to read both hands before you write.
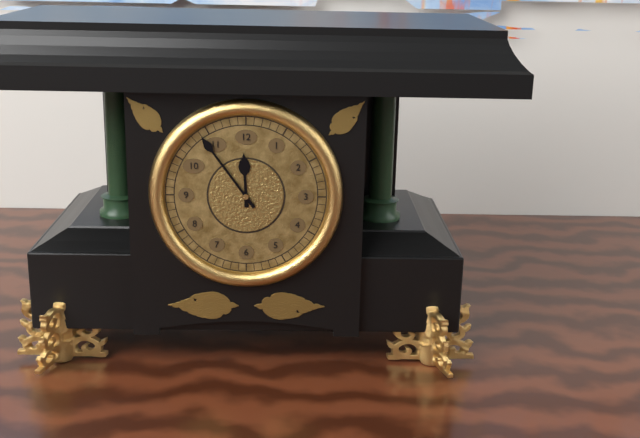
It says 11.54
